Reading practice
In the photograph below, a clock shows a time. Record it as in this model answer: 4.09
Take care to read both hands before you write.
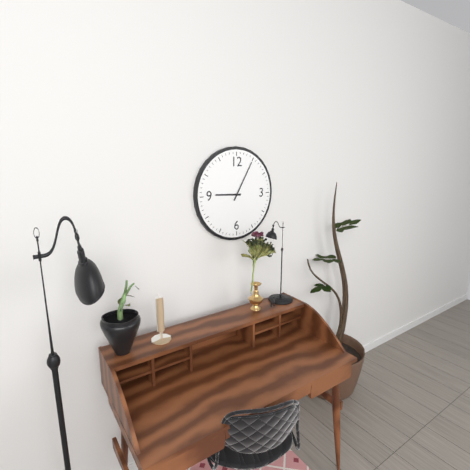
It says 9.05
